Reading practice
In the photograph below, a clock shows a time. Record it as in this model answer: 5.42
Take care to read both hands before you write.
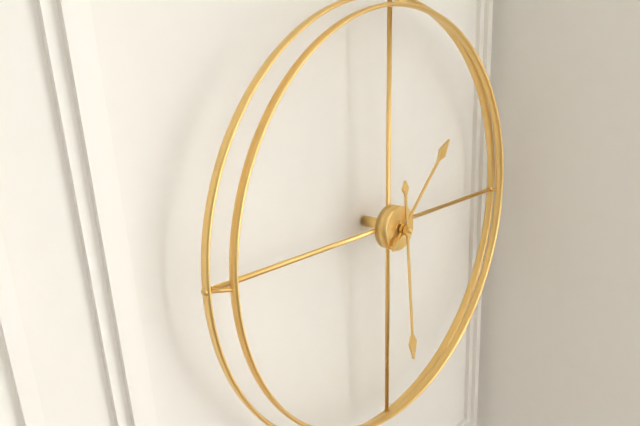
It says 1.29
